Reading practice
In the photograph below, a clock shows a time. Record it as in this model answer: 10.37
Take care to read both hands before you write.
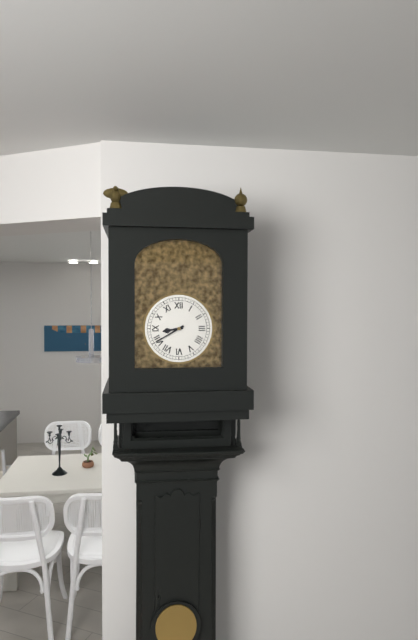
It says 8.40
